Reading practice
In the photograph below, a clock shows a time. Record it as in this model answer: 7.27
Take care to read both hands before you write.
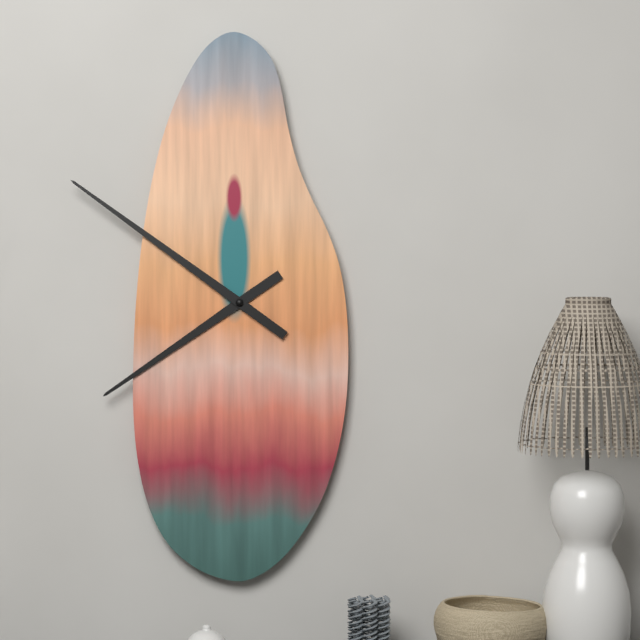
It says 7.51
